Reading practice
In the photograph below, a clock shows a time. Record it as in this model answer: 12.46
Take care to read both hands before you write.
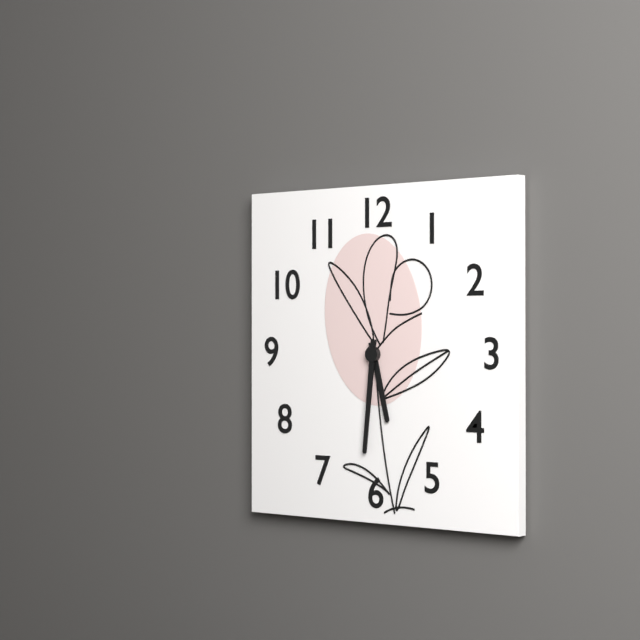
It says 5.31
